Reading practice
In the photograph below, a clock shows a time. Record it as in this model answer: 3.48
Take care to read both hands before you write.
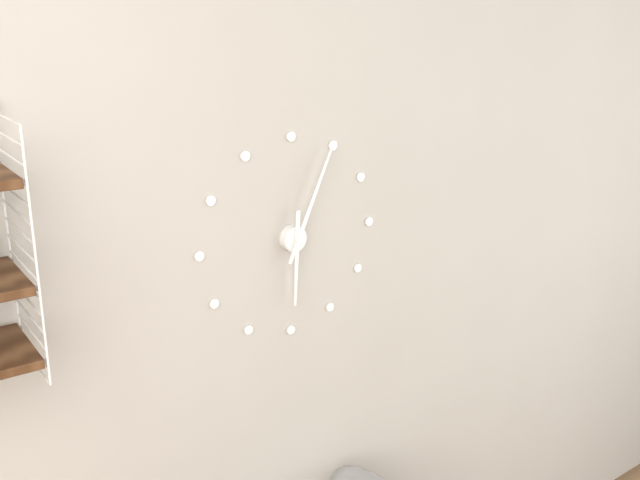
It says 6.04
